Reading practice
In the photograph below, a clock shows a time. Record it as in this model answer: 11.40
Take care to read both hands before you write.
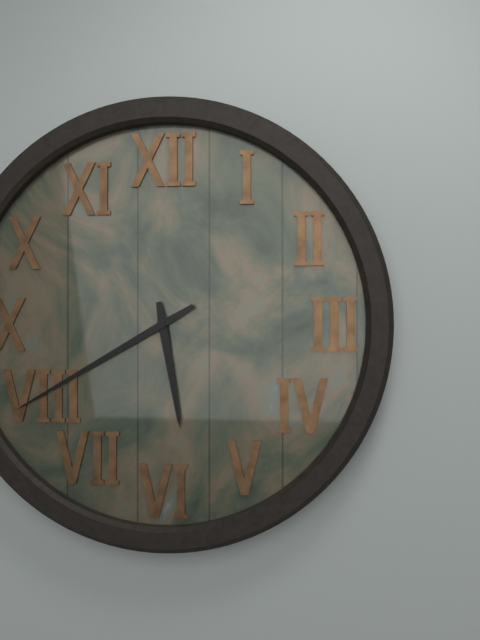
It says 5.40
